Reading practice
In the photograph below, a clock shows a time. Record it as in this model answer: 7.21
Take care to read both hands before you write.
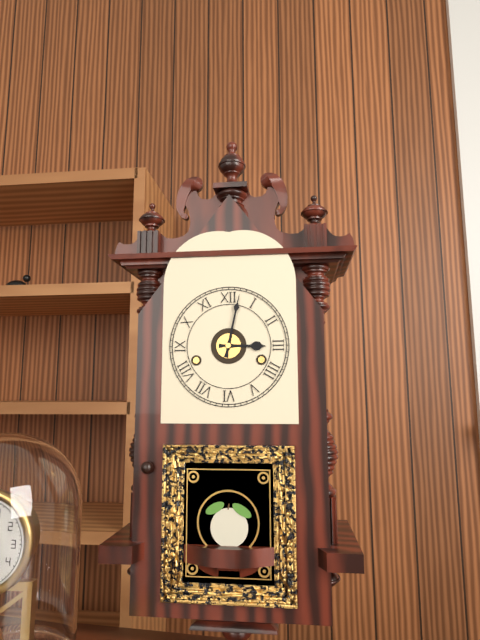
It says 3.02
